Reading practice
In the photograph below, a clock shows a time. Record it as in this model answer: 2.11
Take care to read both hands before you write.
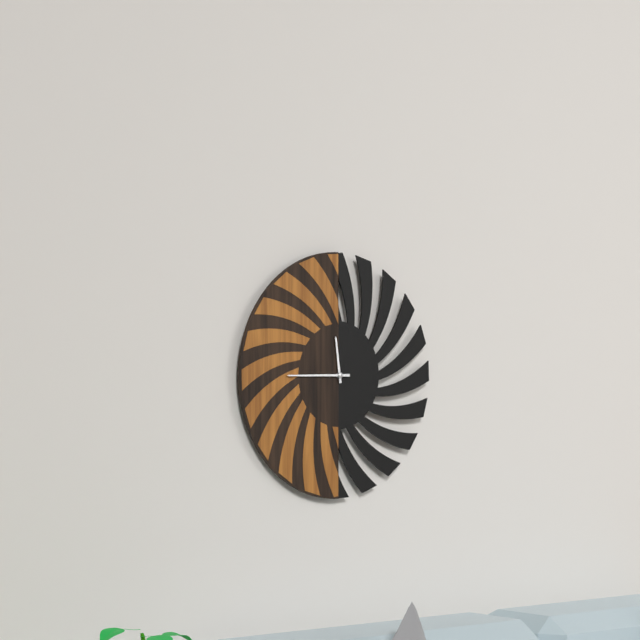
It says 11.45
